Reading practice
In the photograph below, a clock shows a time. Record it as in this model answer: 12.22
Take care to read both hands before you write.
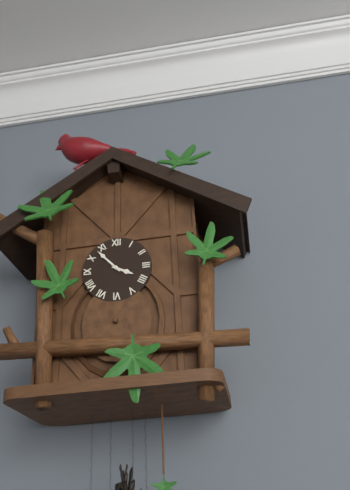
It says 3.53
